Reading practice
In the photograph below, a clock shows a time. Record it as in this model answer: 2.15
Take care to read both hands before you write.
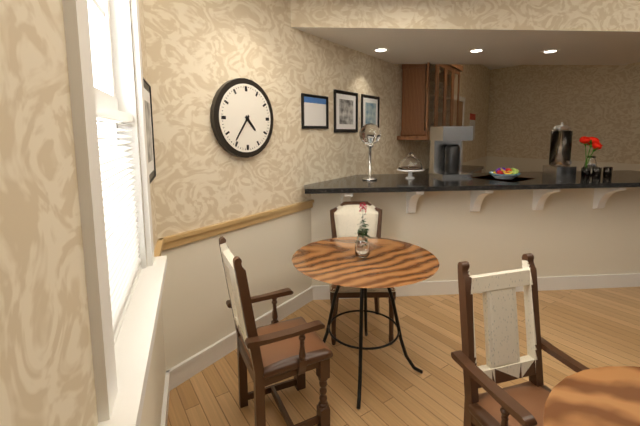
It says 4.36
